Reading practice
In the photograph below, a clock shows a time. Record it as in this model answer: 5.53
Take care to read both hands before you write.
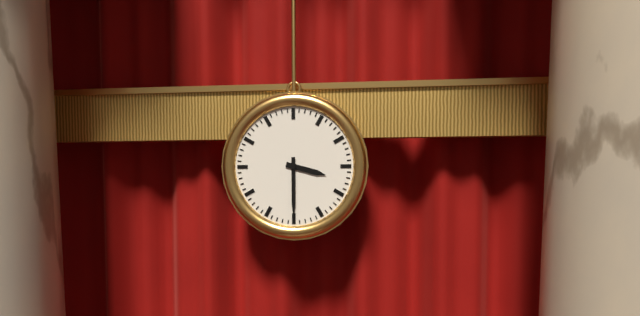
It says 3.30
